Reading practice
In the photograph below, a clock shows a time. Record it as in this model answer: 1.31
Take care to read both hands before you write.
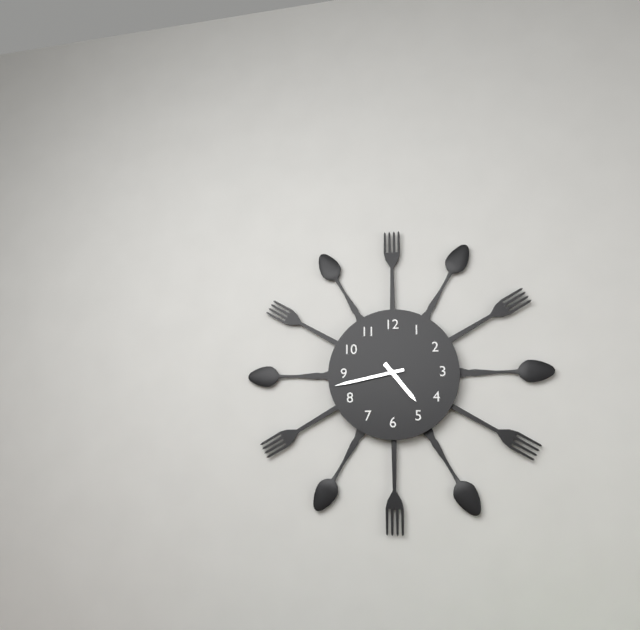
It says 4.43
